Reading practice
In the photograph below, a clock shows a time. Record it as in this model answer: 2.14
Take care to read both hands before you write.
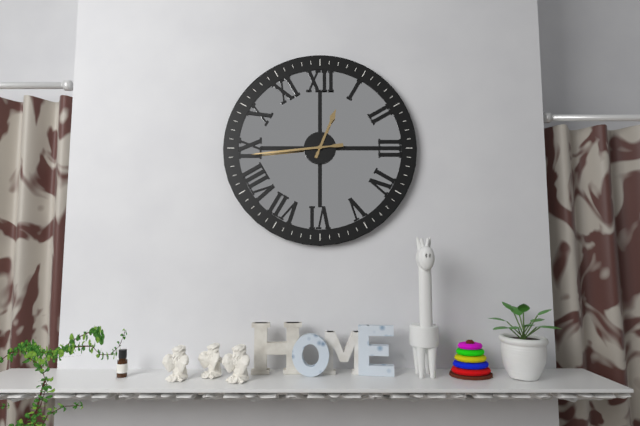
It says 12.44
